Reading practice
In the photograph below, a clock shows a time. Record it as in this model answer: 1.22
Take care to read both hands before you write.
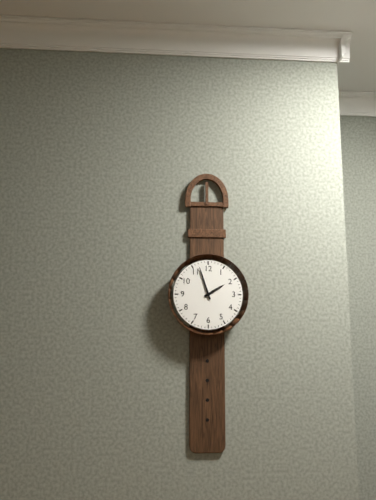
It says 1.57
